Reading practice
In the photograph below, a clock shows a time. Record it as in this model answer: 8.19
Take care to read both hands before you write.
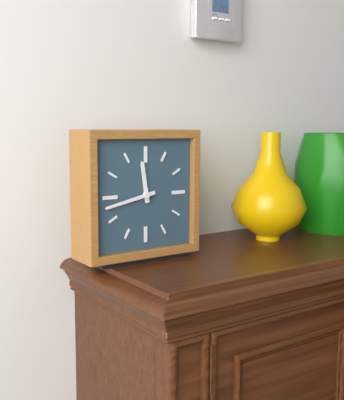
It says 11.43
